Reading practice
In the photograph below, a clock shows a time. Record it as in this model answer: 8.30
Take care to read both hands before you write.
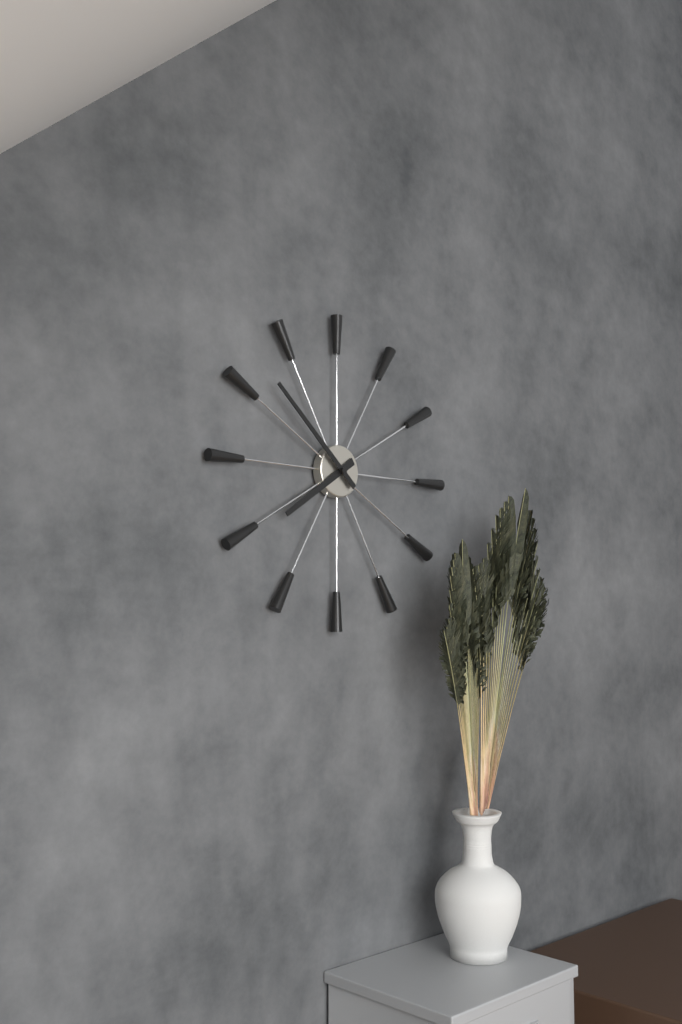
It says 7.52
